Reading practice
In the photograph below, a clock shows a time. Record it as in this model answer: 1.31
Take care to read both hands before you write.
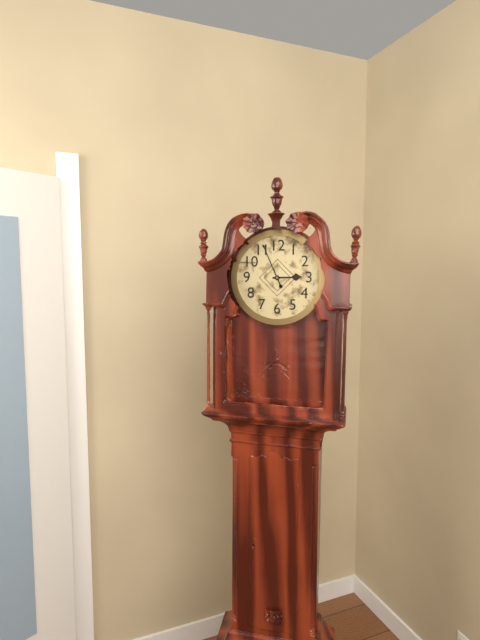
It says 2.56
